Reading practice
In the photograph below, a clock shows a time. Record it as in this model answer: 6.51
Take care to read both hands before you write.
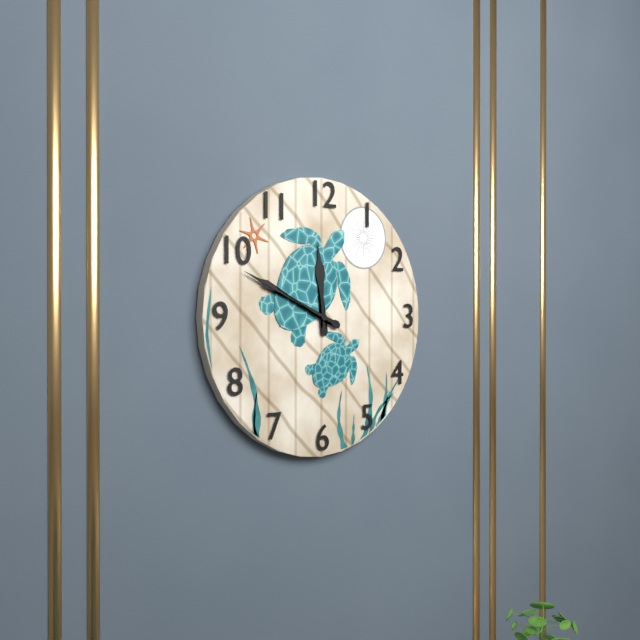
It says 11.49
